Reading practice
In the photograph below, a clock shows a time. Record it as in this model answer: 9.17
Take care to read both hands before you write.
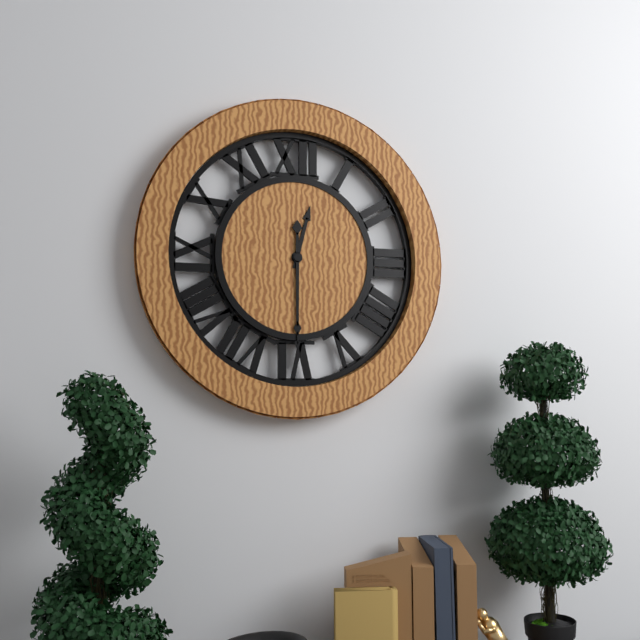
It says 12.30
